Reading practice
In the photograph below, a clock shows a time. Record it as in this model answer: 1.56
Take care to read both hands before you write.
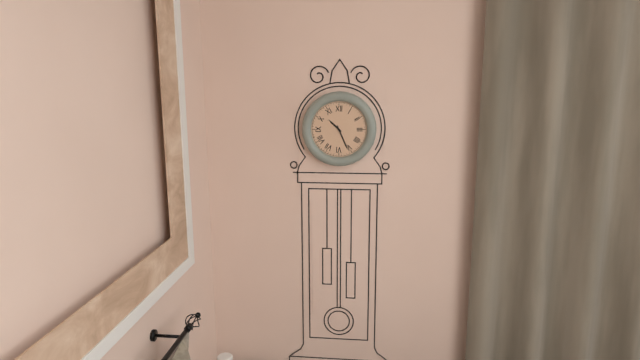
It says 10.26
